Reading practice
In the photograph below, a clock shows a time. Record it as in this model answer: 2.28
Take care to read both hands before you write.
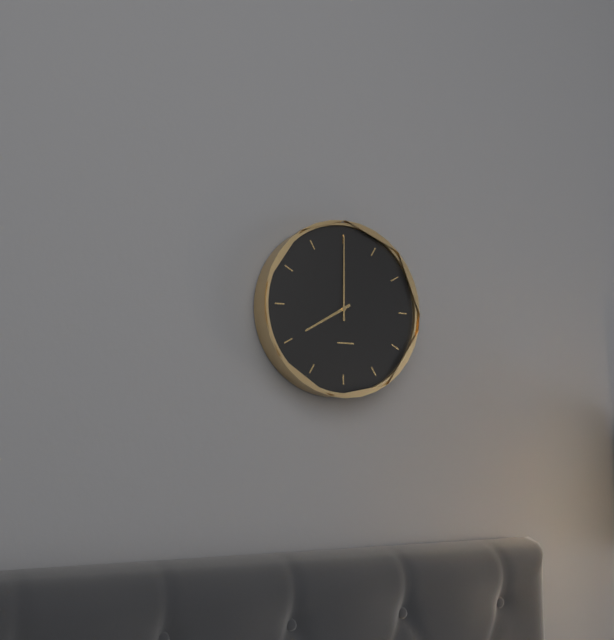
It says 8.00
